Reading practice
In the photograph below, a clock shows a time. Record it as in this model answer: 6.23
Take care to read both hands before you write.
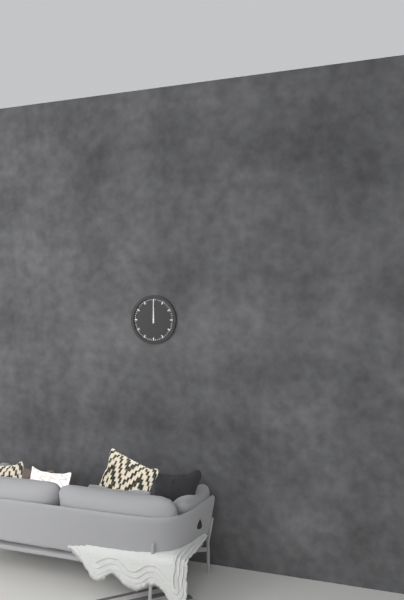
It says 12.00
